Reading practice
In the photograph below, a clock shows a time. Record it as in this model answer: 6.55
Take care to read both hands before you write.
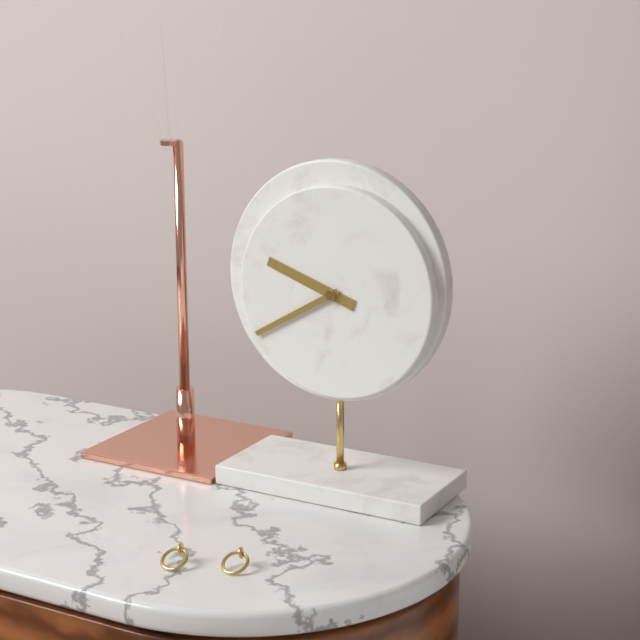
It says 9.40
